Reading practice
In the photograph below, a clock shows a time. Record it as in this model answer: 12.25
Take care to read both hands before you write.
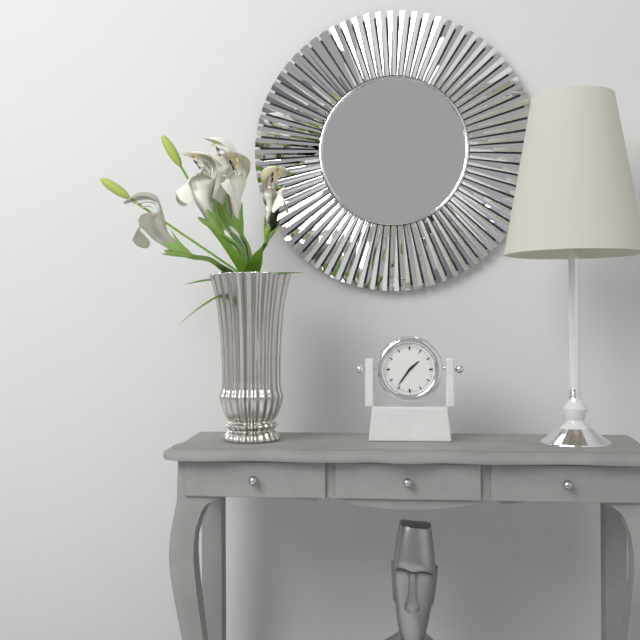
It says 1.36
